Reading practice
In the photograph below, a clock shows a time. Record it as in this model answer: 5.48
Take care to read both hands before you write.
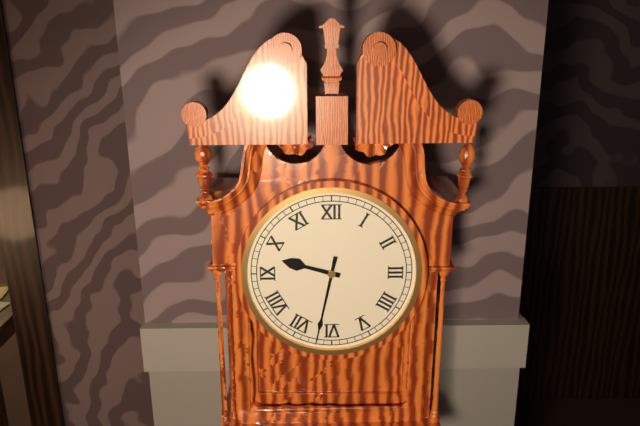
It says 9.32
